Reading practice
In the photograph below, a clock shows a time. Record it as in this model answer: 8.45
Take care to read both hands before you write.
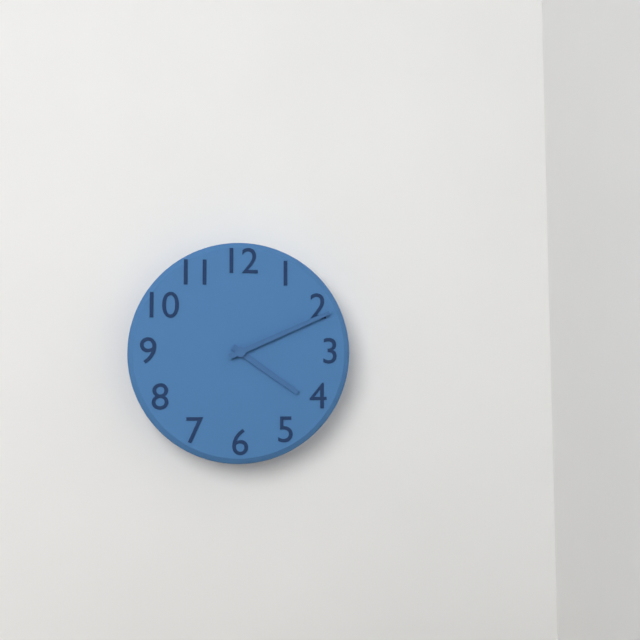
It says 4.11
